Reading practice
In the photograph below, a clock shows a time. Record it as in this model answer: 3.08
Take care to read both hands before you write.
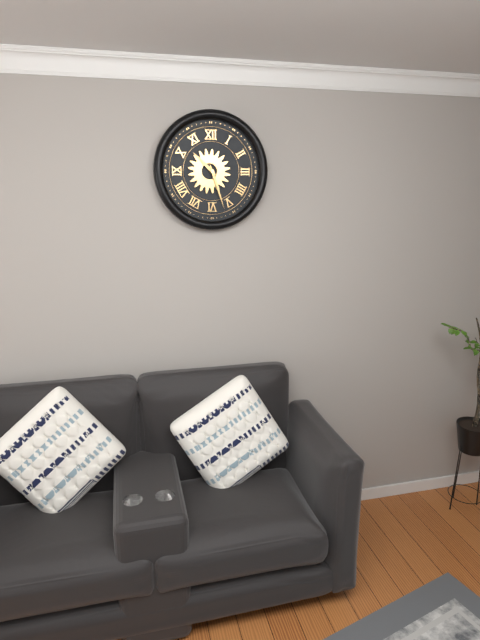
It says 10.27
